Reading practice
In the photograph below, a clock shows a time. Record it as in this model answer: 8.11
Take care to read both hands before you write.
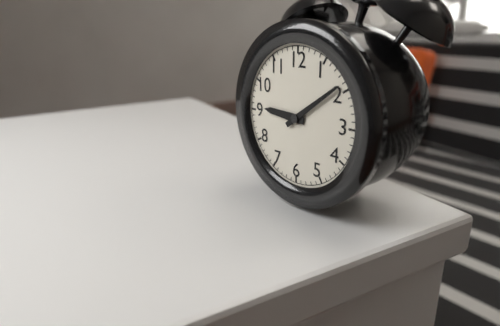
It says 9.09
